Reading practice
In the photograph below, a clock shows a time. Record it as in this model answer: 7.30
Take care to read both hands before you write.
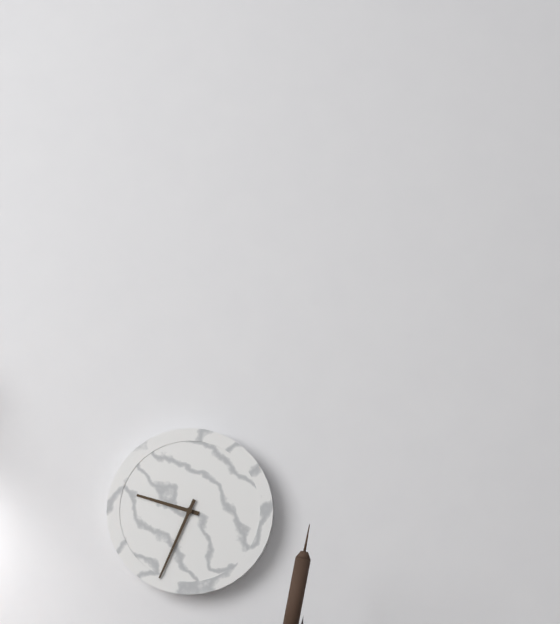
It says 9.34
